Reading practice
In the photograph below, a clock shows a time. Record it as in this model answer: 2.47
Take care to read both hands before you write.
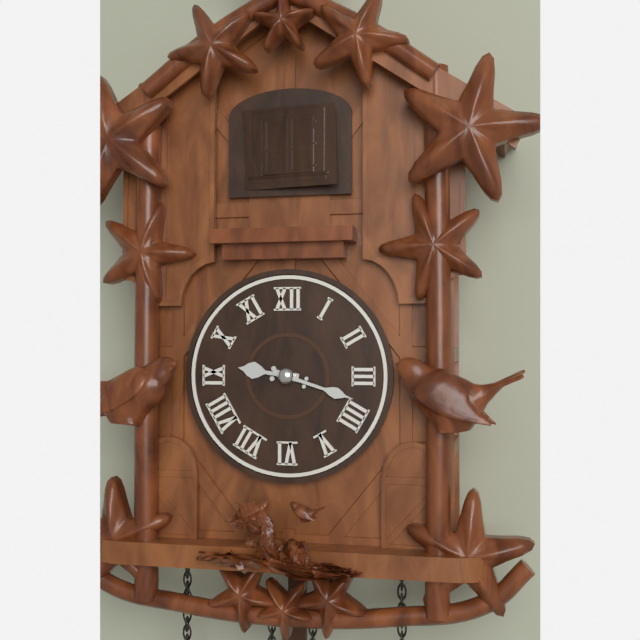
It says 9.18
